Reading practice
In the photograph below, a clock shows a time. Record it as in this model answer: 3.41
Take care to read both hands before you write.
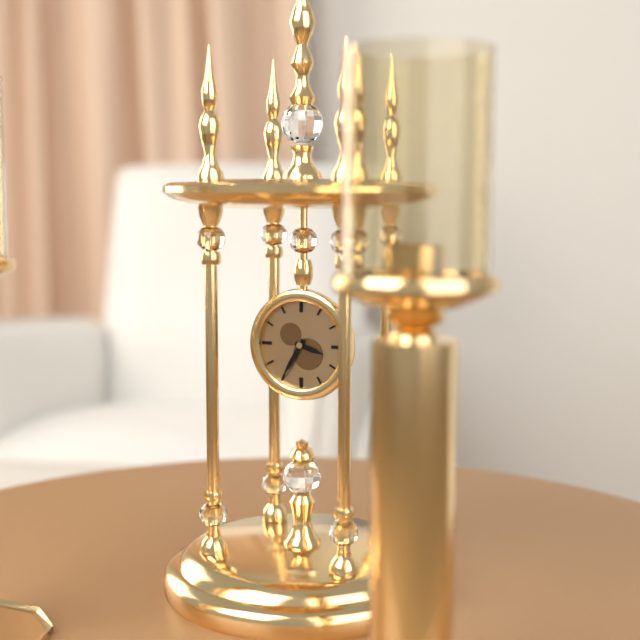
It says 3.35
